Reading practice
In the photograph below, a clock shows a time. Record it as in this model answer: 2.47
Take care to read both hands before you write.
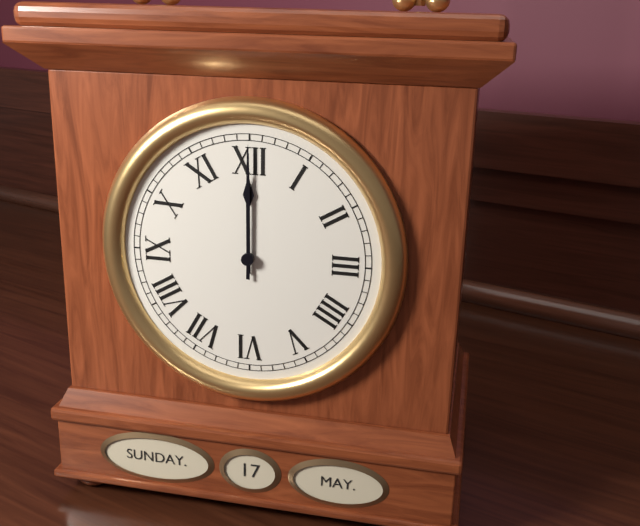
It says 12.00
